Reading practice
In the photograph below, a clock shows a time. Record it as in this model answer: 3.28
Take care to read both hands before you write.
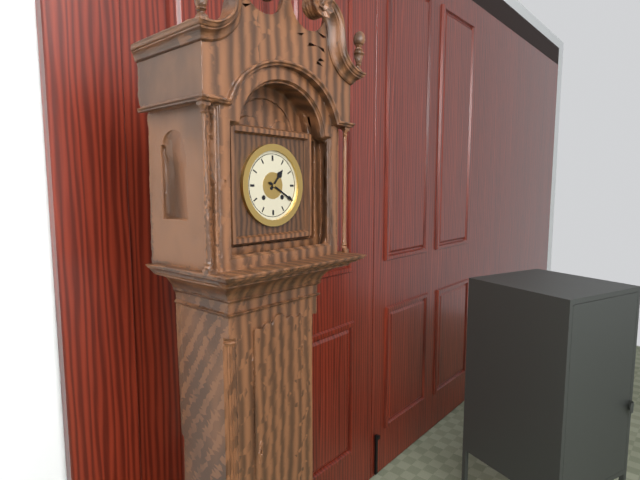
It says 1.20
